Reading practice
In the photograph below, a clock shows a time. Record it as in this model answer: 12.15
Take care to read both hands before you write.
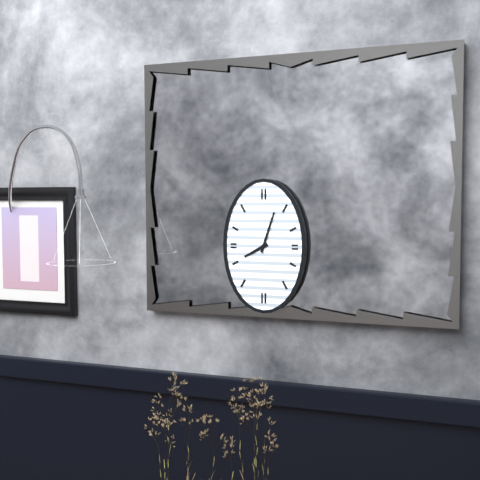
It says 8.03
